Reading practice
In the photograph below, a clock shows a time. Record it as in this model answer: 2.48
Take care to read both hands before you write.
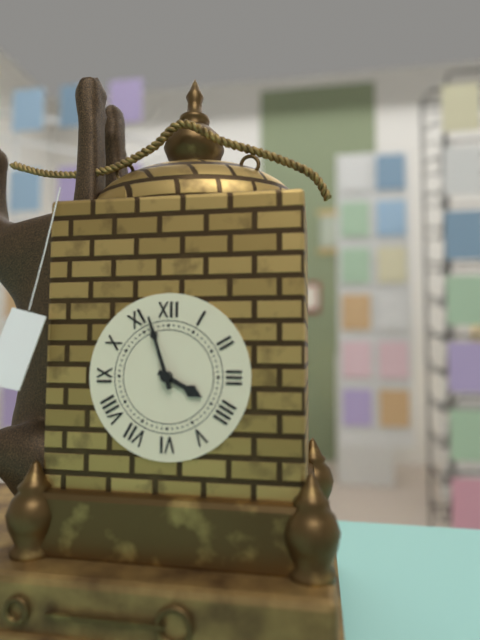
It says 3.57
